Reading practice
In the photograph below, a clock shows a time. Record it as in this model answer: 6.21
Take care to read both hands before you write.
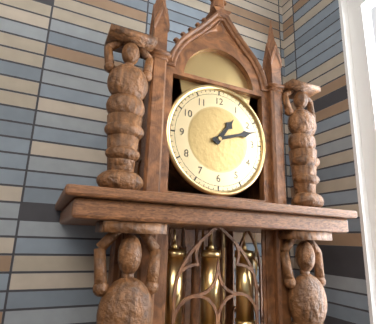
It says 1.12
